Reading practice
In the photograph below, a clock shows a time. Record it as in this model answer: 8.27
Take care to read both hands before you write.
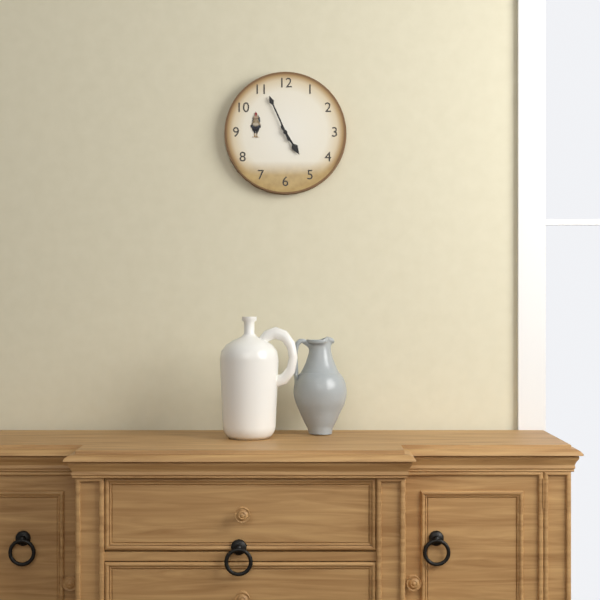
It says 4.56
